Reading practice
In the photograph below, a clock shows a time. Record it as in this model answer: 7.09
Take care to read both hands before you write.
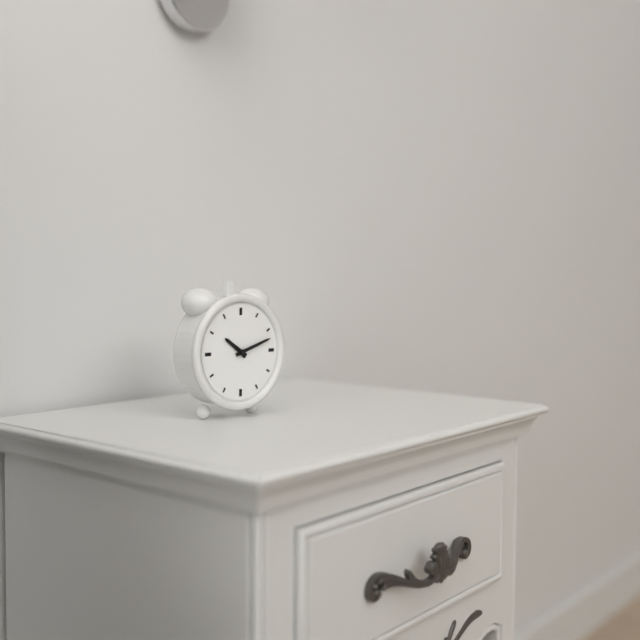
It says 10.12
